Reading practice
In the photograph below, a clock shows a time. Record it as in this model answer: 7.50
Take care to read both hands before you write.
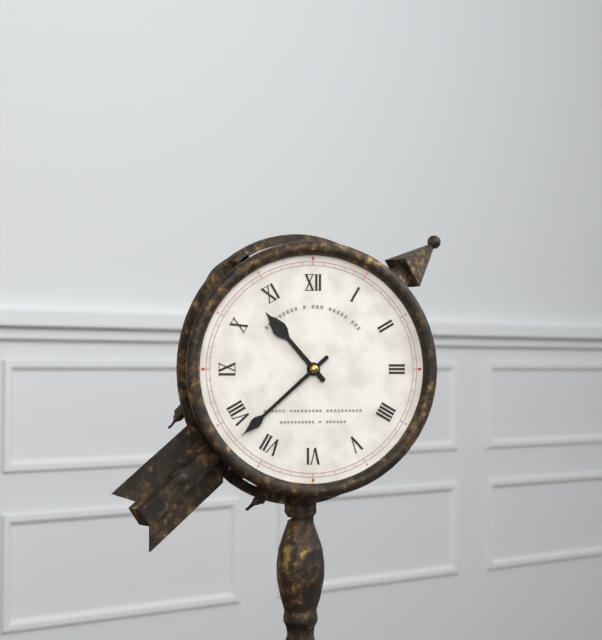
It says 10.38
